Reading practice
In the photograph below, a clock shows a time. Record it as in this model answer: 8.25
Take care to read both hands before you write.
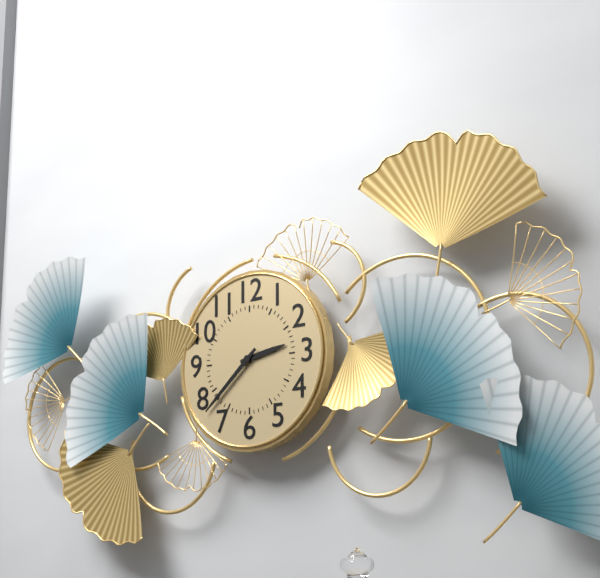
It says 2.38
